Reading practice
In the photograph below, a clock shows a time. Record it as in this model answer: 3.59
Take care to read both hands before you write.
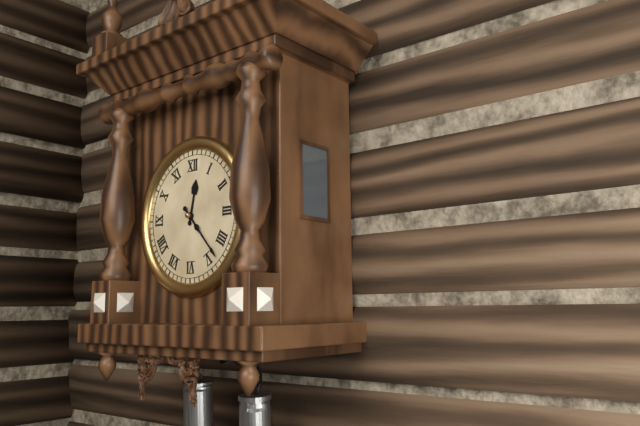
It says 12.23
